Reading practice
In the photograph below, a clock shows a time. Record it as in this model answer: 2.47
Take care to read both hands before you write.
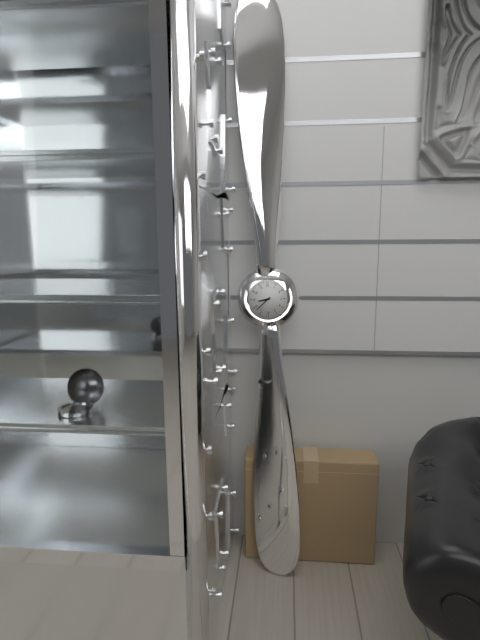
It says 8.38
